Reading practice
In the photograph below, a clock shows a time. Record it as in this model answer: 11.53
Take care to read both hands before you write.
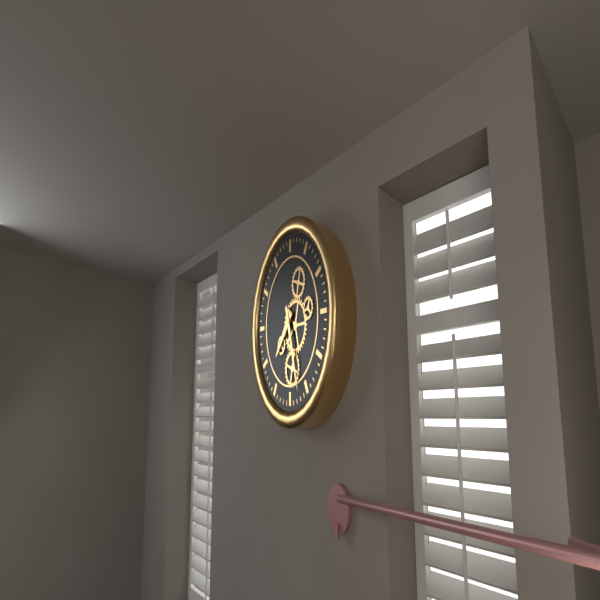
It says 7.27
